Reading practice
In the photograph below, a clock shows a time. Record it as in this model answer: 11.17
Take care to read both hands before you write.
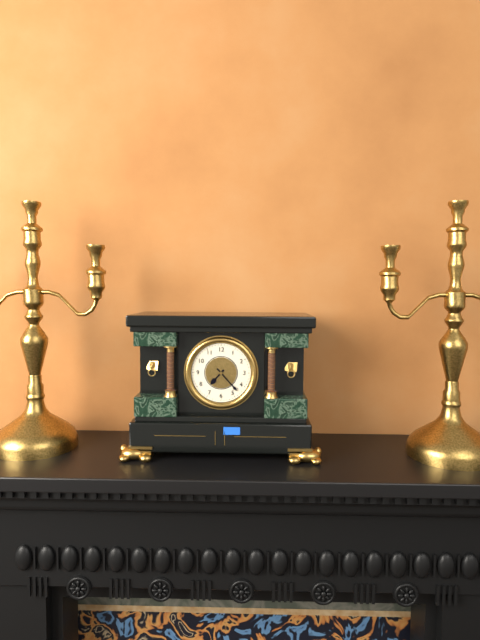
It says 7.23
